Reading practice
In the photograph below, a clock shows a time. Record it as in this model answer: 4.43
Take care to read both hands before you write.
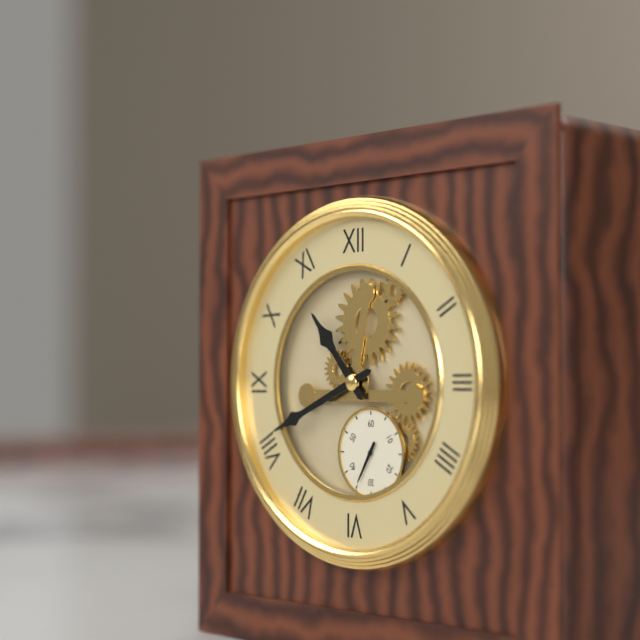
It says 10.41
